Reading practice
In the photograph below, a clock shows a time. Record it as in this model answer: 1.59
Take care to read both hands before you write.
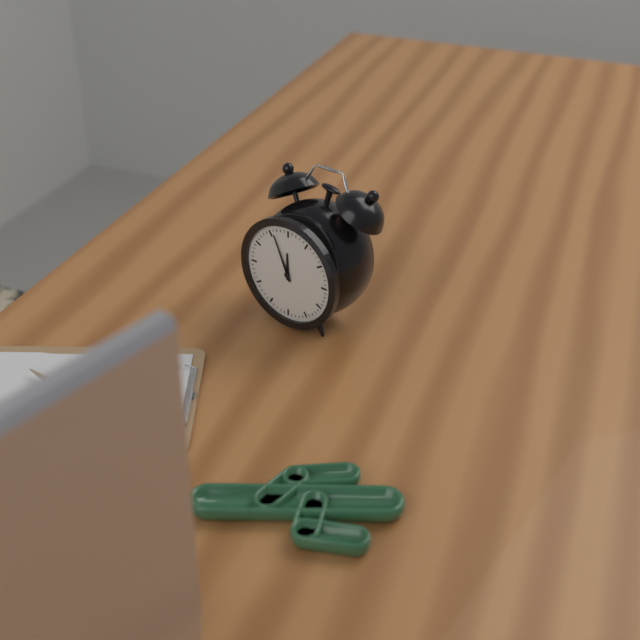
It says 11.56
